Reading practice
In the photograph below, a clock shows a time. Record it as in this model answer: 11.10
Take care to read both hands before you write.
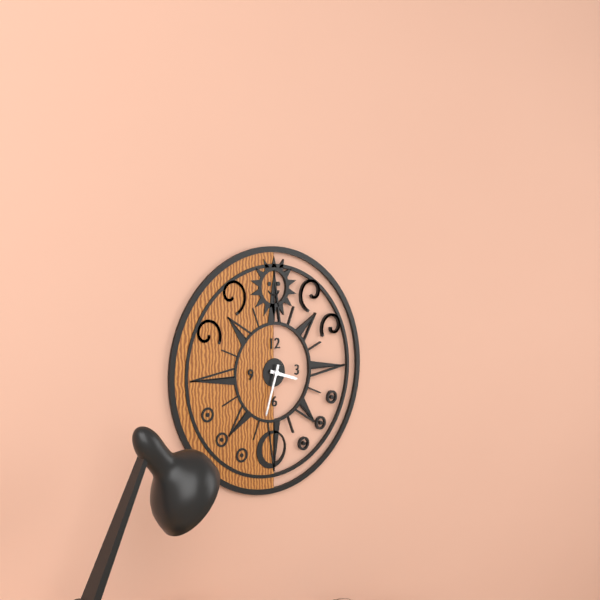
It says 3.33
